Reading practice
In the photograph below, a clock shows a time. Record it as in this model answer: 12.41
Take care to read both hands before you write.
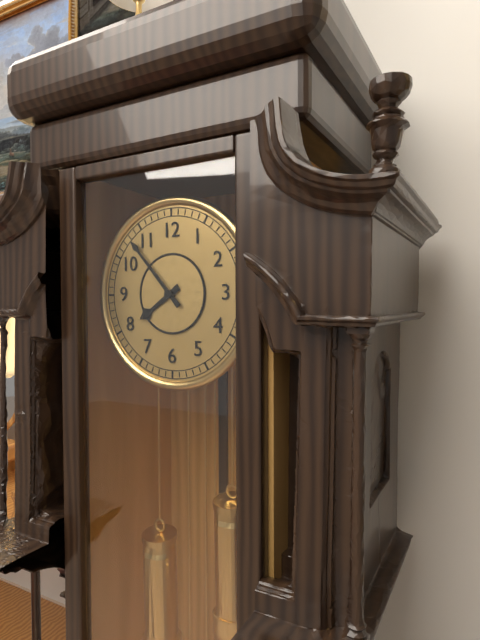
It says 7.53
